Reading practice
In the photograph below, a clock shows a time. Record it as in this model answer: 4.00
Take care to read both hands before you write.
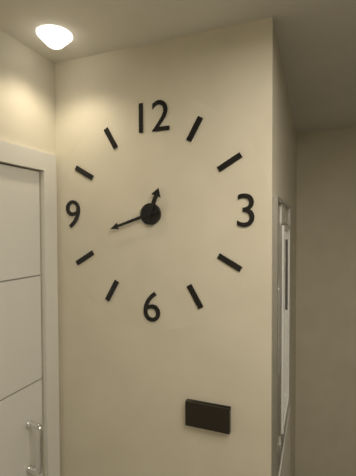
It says 12.42
